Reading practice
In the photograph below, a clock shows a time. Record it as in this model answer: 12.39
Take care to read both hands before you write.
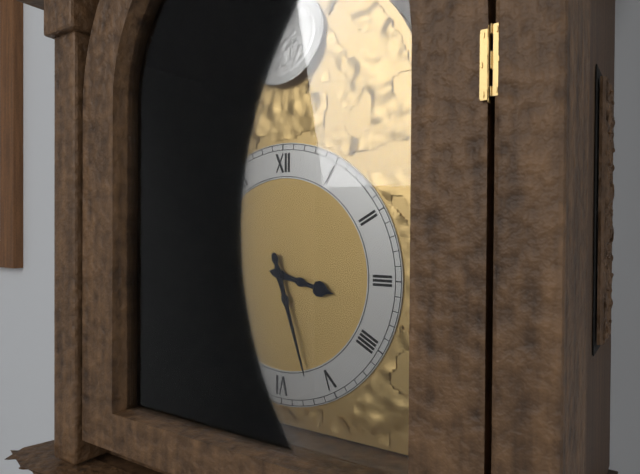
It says 3.27
